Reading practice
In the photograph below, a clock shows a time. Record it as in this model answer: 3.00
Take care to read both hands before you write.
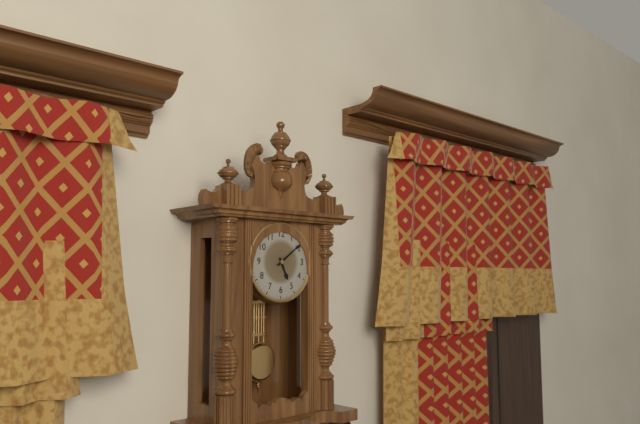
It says 5.09
